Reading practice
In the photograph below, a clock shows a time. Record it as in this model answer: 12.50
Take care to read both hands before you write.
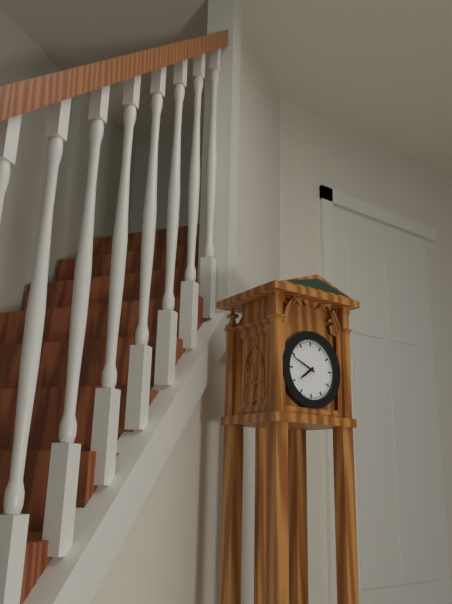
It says 7.49
